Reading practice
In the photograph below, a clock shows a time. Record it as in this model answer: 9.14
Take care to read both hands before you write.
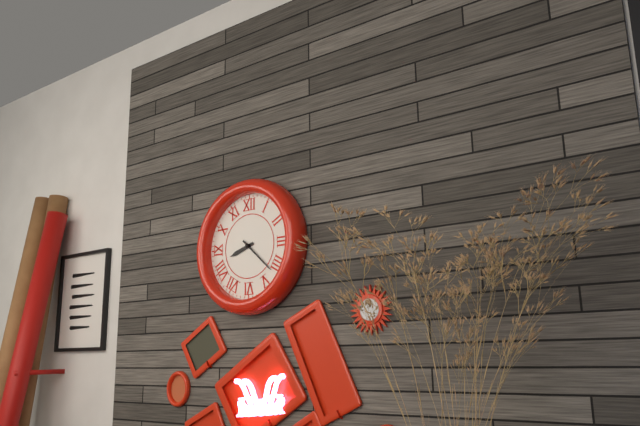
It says 8.22
